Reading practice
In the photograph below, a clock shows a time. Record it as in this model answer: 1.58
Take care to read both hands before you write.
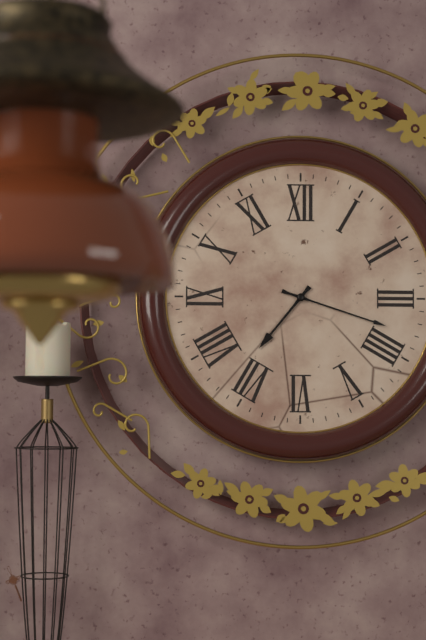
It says 7.18
